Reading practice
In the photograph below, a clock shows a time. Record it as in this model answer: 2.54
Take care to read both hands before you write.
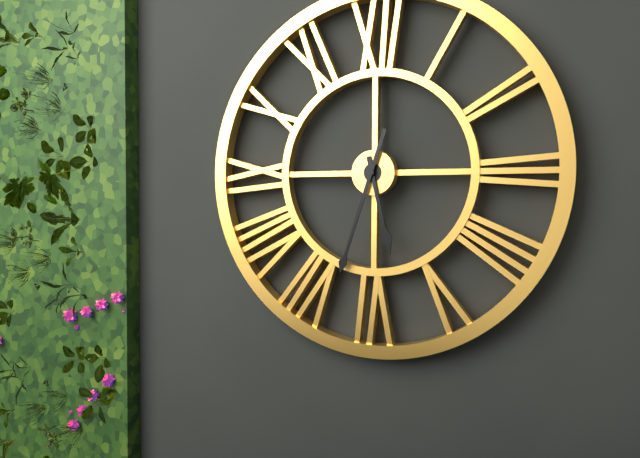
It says 5.33
